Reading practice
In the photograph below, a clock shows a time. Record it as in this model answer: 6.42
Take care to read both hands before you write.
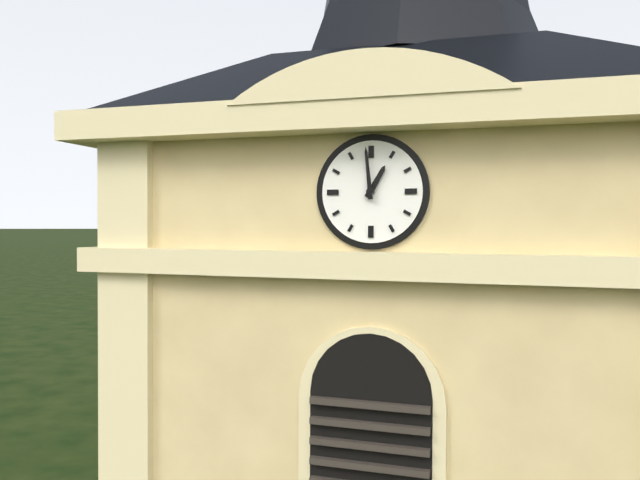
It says 12.59
